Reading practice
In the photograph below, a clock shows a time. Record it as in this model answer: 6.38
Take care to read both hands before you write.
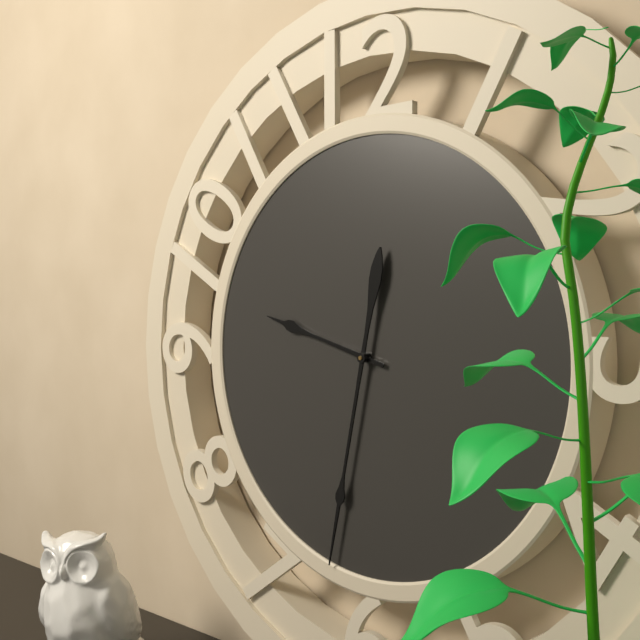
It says 9.32
